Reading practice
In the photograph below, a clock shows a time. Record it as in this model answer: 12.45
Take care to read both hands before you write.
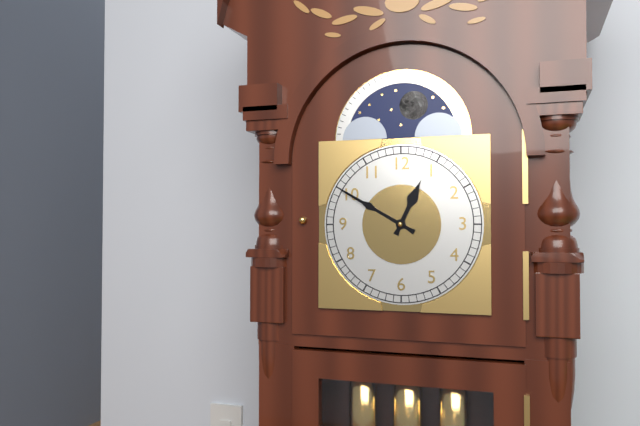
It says 12.50
